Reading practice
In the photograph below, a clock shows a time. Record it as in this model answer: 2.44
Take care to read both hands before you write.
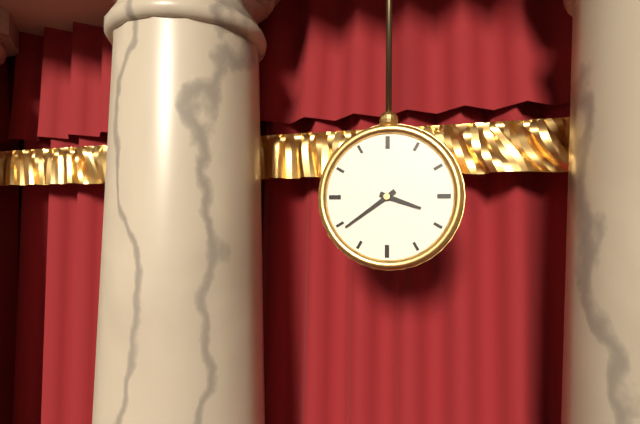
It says 3.39
